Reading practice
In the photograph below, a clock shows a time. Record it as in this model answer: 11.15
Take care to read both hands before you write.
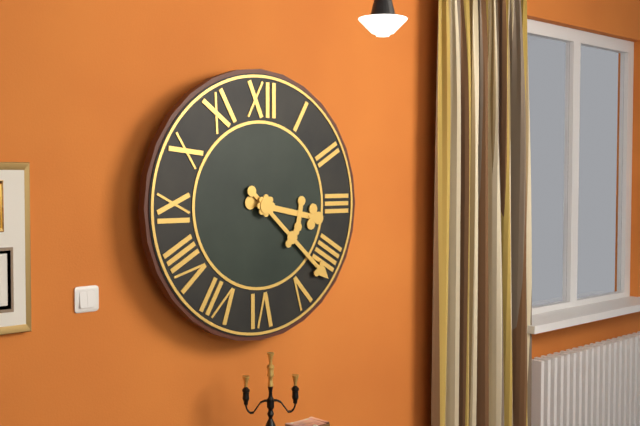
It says 3.22
